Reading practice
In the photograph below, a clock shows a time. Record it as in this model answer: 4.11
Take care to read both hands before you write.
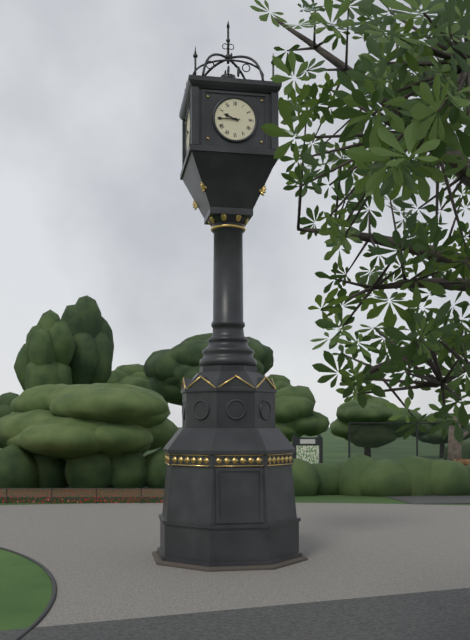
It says 9.45
